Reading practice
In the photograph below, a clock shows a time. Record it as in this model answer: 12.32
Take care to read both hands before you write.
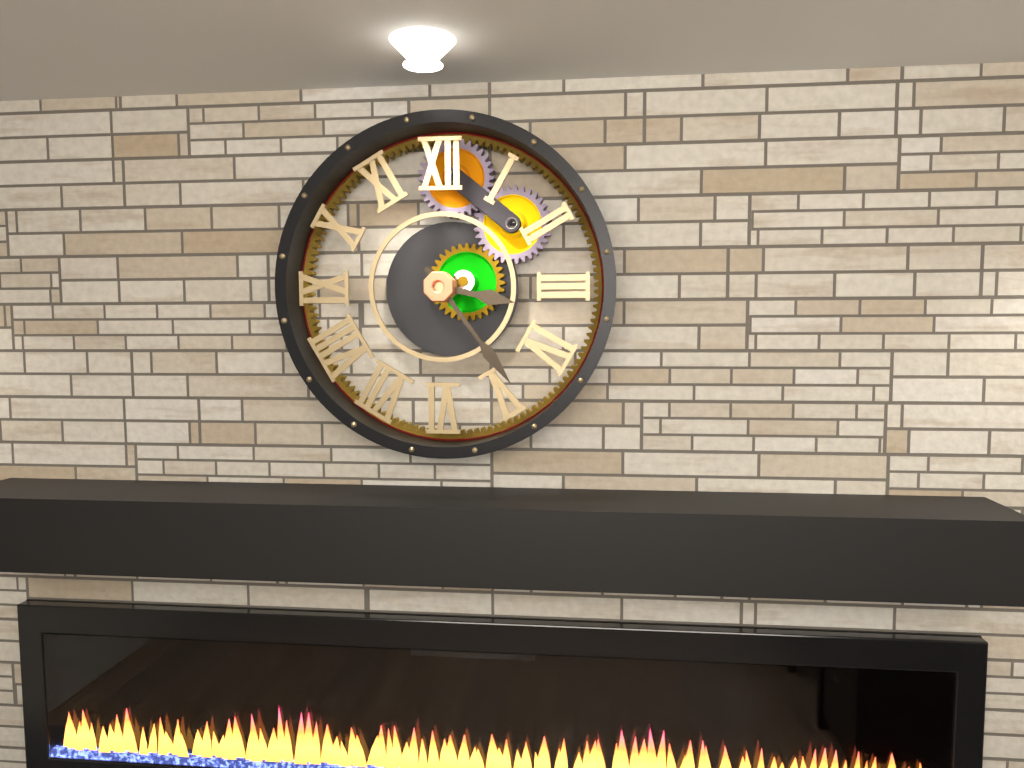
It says 3.24
